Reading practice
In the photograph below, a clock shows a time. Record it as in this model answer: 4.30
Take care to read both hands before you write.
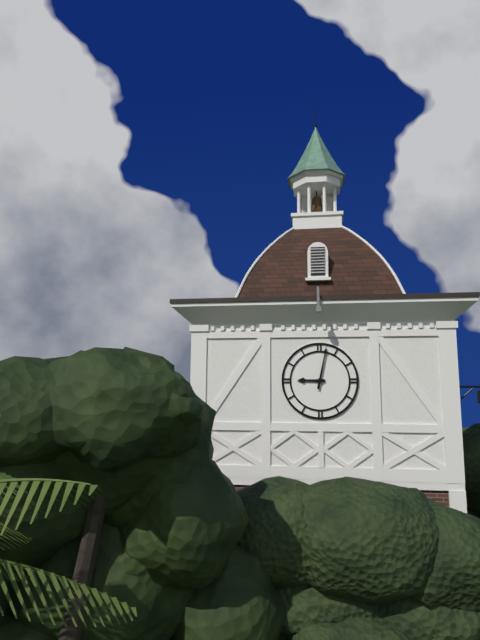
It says 9.02
